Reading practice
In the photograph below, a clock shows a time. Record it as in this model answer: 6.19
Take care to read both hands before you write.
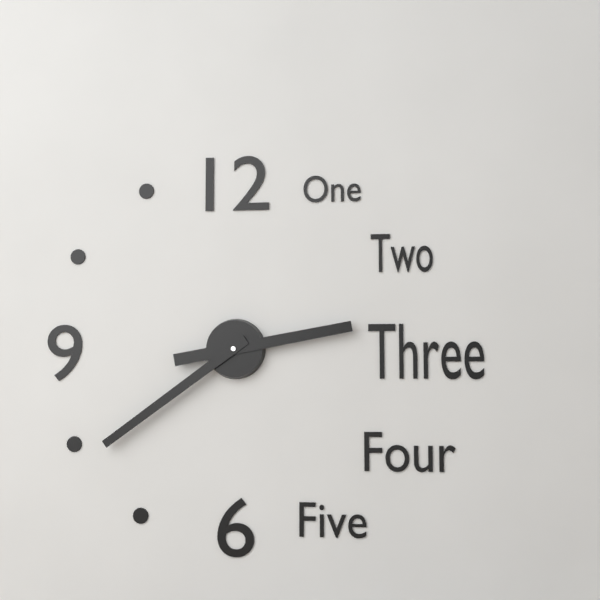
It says 2.39
